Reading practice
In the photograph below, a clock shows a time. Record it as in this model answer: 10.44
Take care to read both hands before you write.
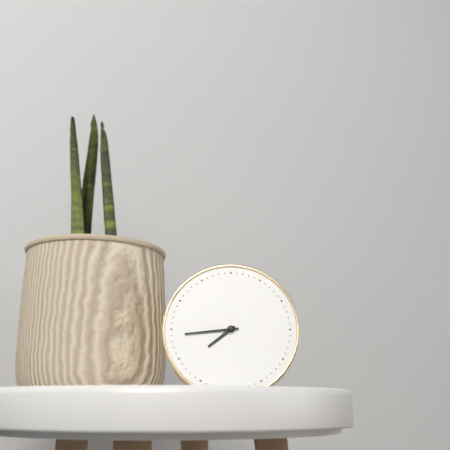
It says 7.44
